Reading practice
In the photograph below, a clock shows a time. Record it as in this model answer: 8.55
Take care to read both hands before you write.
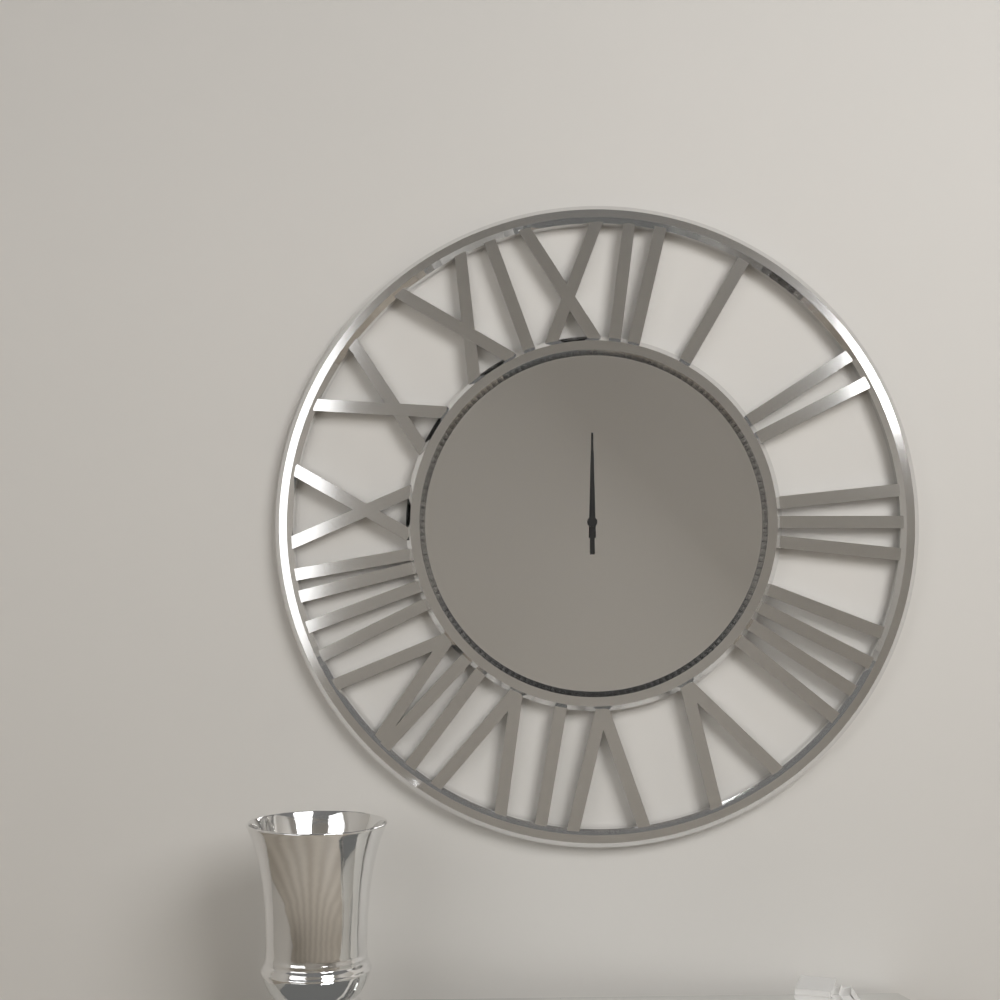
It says 12.00
